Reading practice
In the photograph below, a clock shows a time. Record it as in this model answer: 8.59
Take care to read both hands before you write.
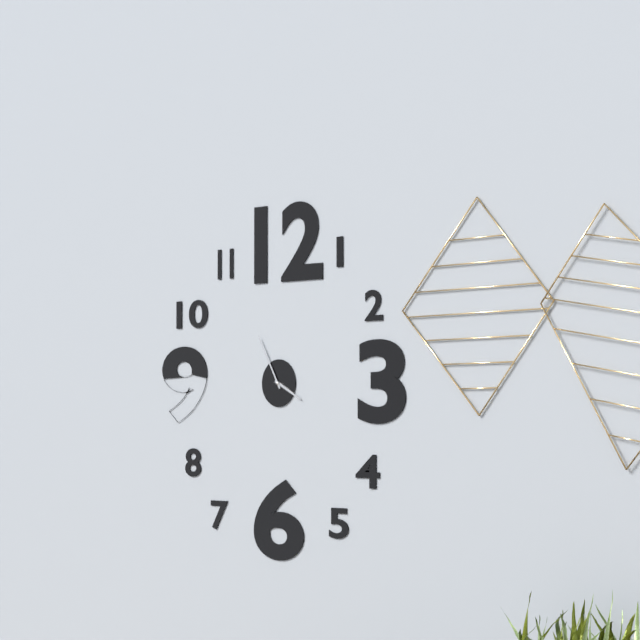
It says 3.55
